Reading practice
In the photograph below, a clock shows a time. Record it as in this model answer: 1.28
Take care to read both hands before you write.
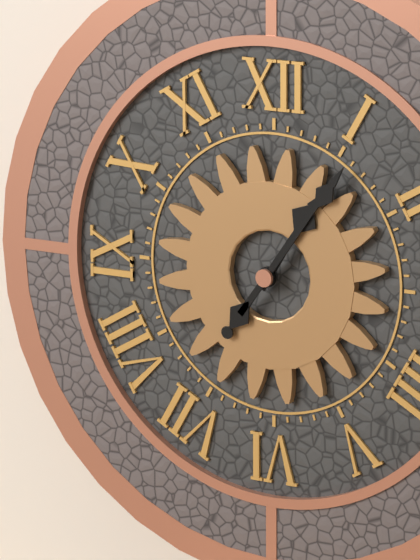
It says 1.06
